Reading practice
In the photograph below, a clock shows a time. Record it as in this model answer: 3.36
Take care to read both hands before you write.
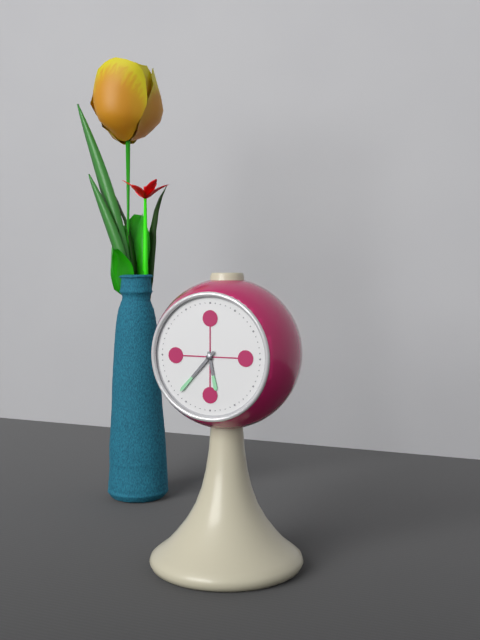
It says 5.37
